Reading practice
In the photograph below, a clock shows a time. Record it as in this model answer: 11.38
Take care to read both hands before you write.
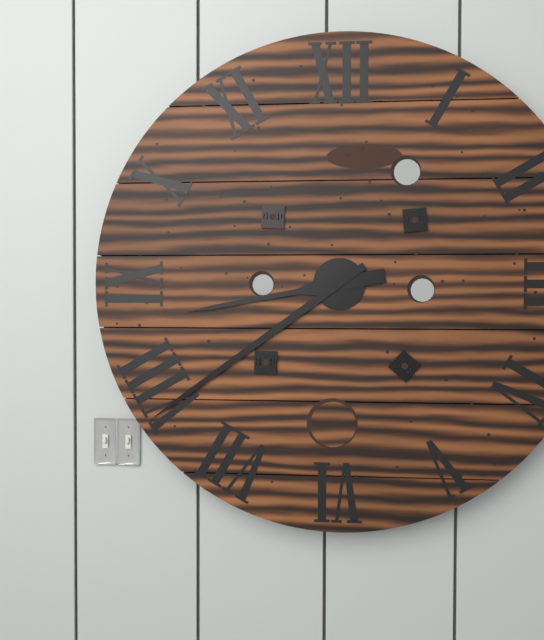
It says 8.39
